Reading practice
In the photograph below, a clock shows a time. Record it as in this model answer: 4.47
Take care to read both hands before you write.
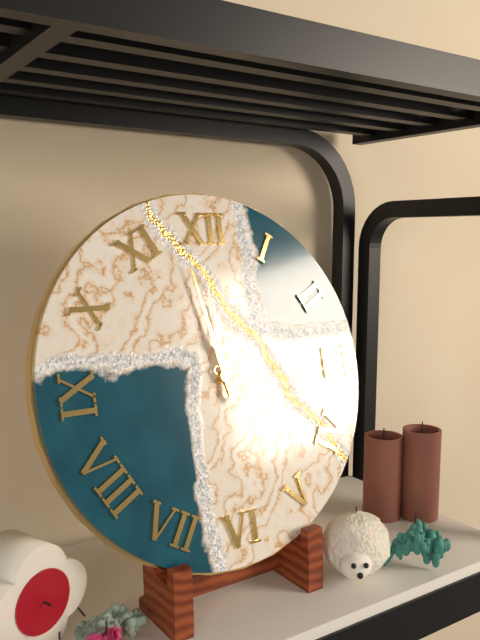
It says 11.58
